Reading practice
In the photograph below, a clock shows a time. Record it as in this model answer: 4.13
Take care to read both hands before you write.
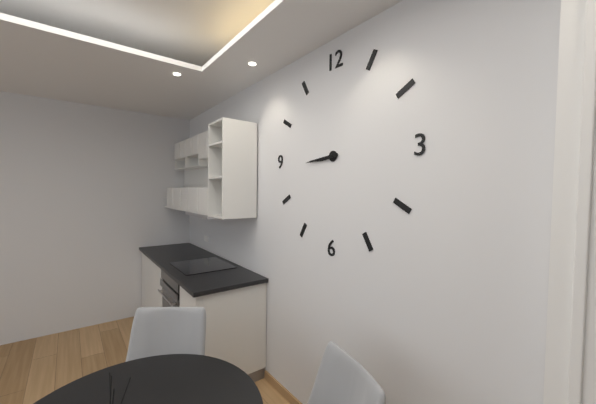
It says 8.44
